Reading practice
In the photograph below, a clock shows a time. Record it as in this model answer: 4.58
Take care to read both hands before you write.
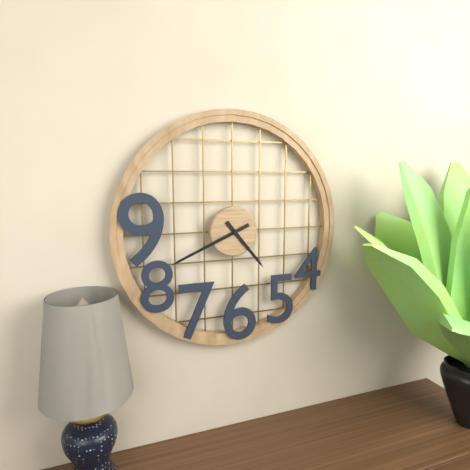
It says 4.41
